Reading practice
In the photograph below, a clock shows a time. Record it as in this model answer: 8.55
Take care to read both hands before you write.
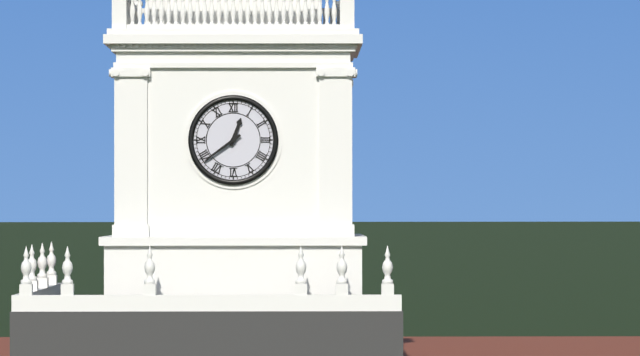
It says 12.39
